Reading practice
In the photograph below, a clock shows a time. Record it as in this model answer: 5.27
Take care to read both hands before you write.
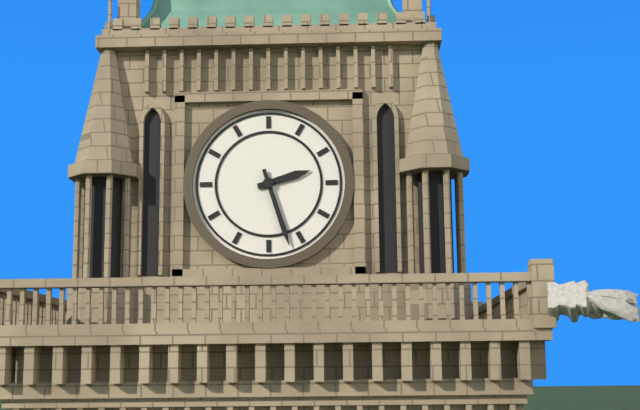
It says 2.27
